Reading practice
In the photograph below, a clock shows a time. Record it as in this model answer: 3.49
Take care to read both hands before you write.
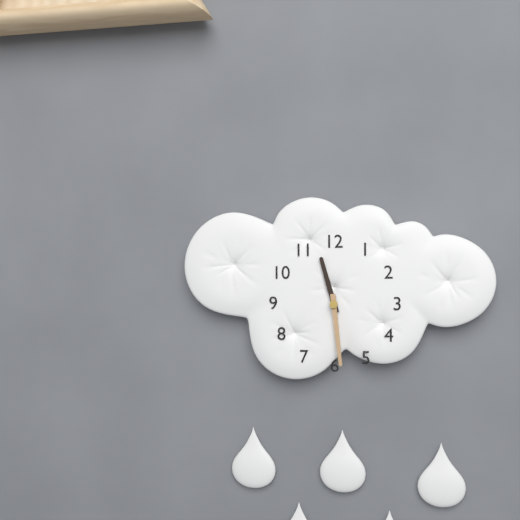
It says 11.29
